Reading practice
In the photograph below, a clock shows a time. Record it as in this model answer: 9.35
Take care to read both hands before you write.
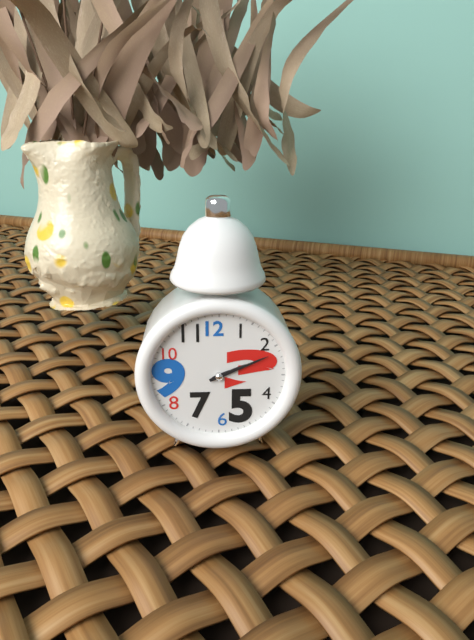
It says 2.11
